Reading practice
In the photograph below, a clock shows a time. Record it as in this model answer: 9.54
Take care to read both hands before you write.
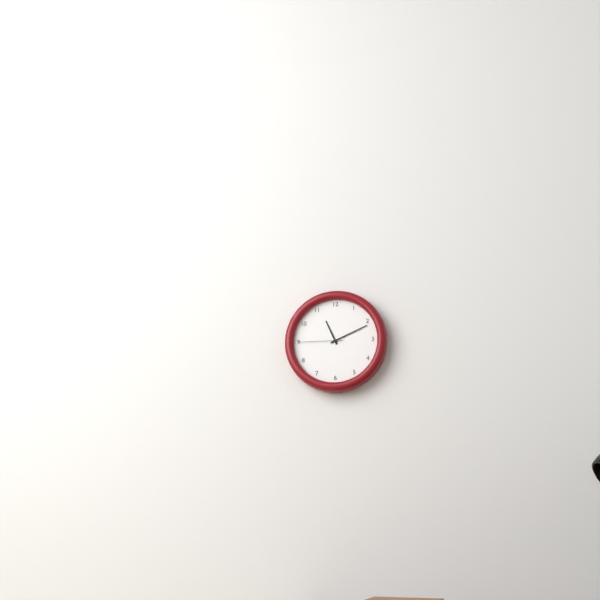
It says 11.11
